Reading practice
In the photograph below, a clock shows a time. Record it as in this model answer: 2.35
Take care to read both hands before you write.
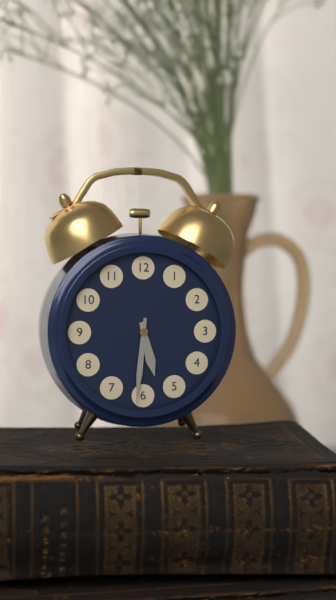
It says 5.31
